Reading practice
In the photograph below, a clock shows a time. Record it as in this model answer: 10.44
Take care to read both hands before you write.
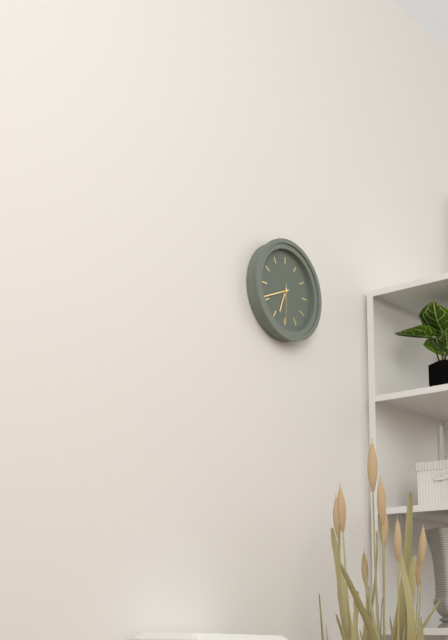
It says 6.41
